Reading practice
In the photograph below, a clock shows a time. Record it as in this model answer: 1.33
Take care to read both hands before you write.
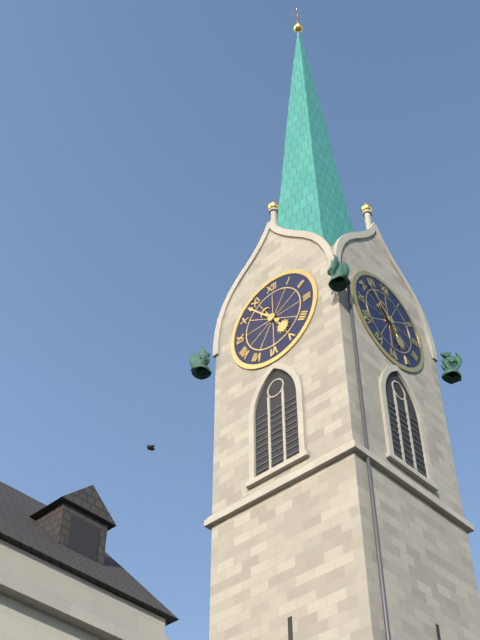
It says 4.53
